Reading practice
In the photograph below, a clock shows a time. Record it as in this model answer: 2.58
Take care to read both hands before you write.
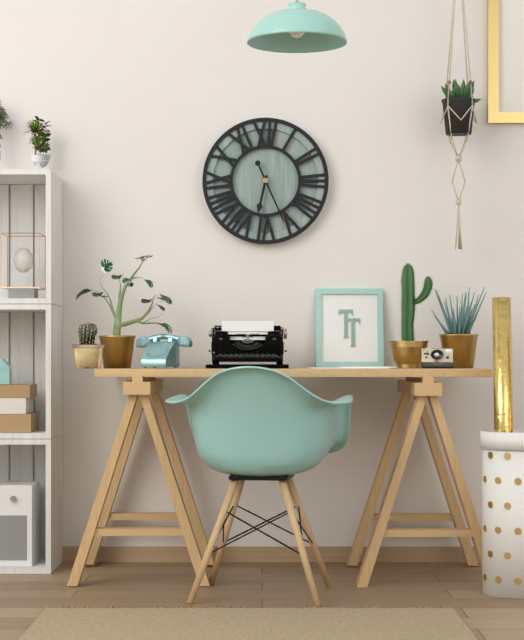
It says 6.26
